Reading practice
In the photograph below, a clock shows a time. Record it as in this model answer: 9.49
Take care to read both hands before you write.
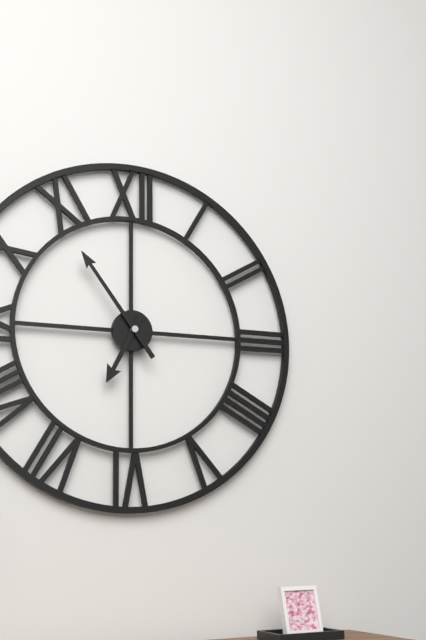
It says 6.54
